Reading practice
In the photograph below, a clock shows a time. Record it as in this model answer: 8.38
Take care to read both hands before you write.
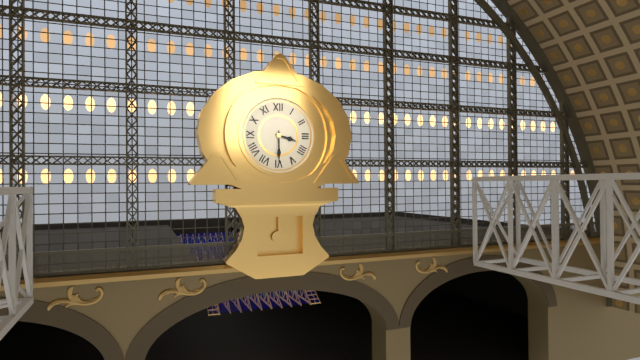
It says 3.30
